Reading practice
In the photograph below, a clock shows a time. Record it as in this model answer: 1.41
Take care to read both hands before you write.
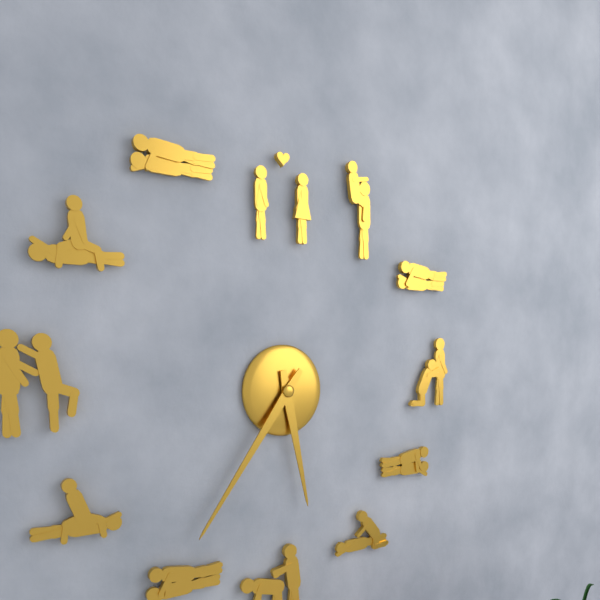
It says 5.36
